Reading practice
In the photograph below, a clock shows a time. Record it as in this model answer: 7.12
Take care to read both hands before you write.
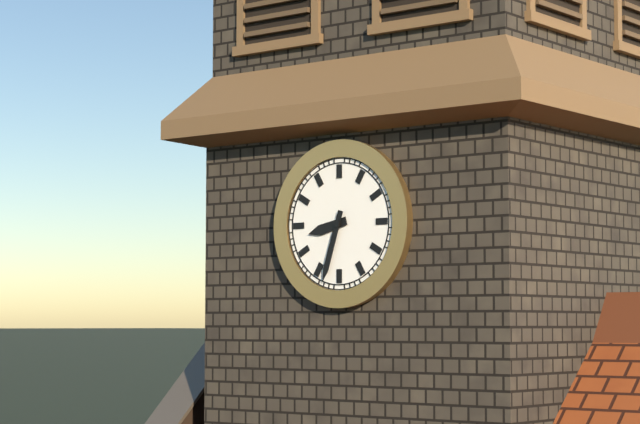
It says 8.33
